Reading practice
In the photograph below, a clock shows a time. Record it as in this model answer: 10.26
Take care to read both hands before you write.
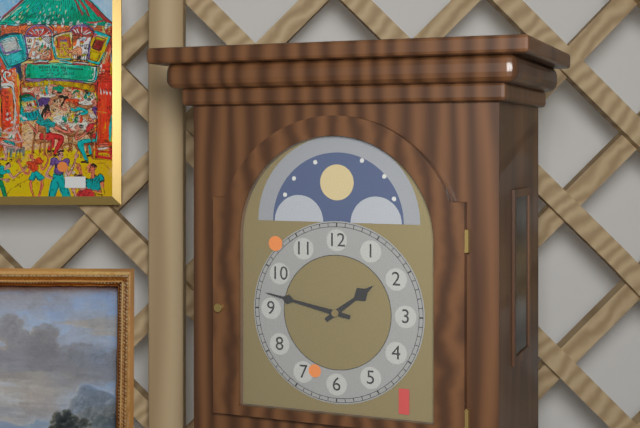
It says 1.47
